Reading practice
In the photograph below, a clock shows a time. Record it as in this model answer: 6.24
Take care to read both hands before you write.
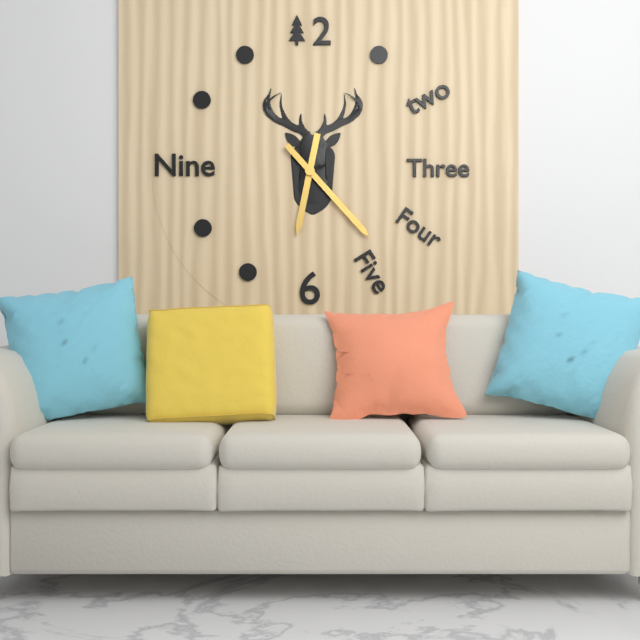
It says 6.23
